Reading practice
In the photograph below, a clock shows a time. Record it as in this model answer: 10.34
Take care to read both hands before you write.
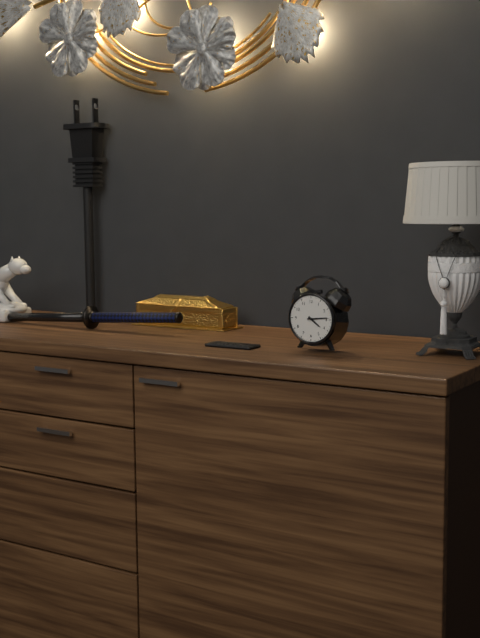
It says 4.14
